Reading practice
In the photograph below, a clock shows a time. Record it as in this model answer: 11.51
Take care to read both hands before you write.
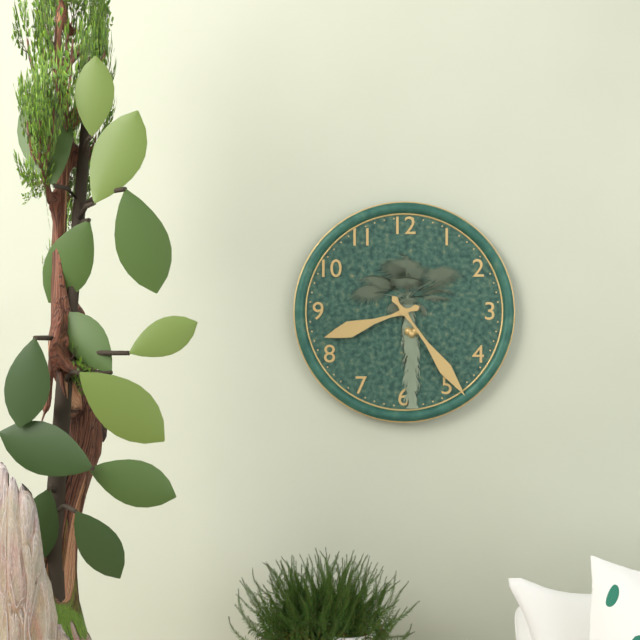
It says 8.24
